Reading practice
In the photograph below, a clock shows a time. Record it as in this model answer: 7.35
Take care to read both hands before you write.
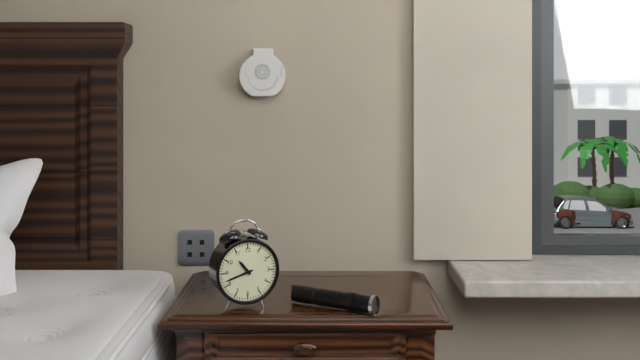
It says 10.42
